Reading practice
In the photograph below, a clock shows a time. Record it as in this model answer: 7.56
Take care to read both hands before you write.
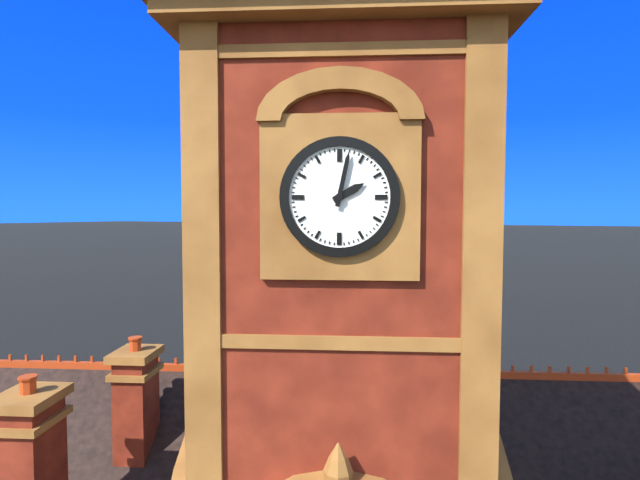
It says 2.02
